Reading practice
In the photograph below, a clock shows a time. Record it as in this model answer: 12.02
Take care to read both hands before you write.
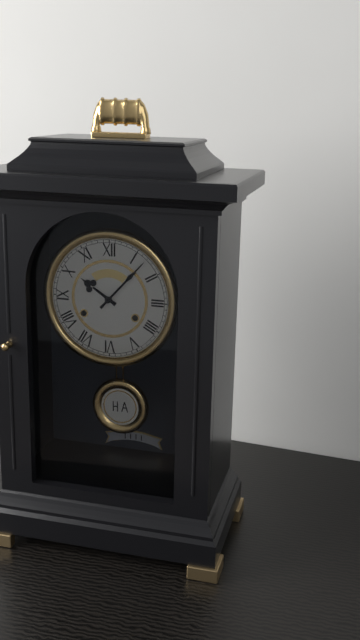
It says 10.07
